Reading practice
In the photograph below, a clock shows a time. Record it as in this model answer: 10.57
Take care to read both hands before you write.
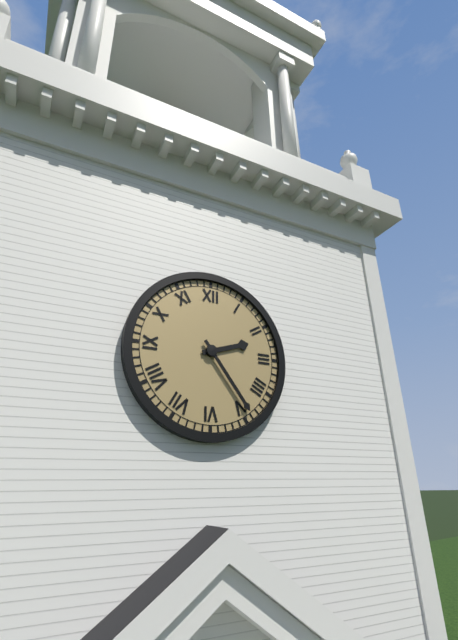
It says 2.24
